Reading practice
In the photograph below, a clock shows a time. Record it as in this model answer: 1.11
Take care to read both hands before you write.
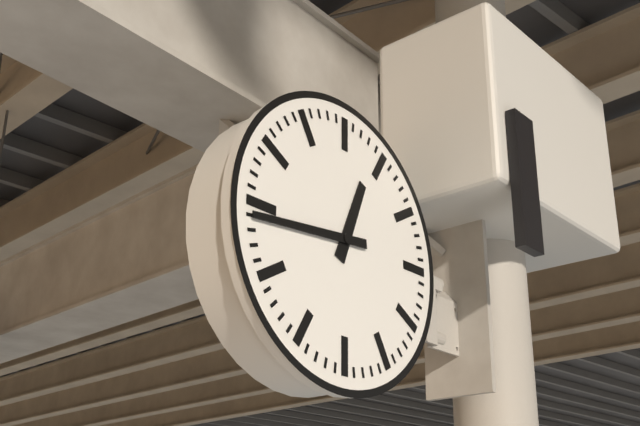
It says 12.44
